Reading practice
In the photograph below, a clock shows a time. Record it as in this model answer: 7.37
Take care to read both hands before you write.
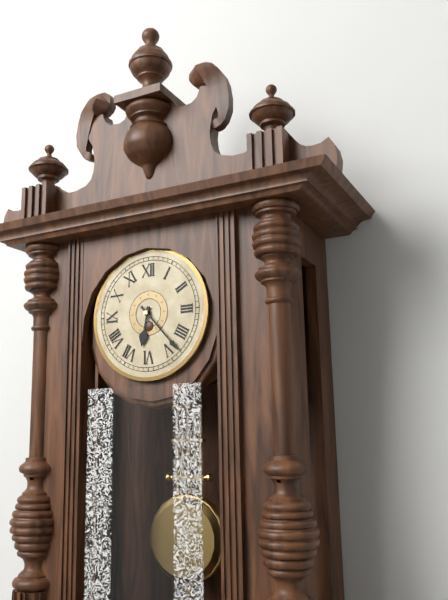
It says 6.23
